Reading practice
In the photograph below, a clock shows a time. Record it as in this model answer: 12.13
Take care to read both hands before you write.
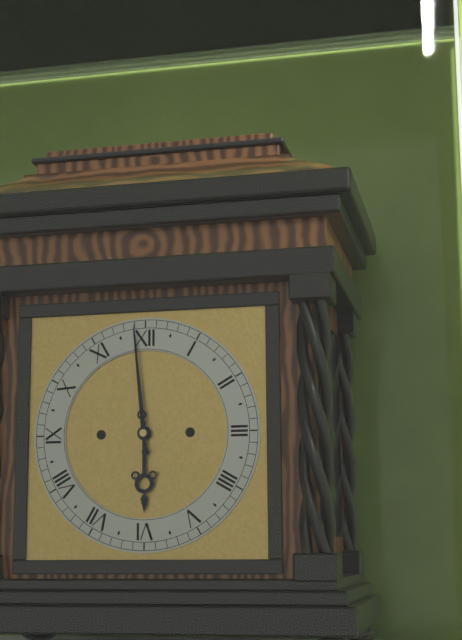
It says 5.59
